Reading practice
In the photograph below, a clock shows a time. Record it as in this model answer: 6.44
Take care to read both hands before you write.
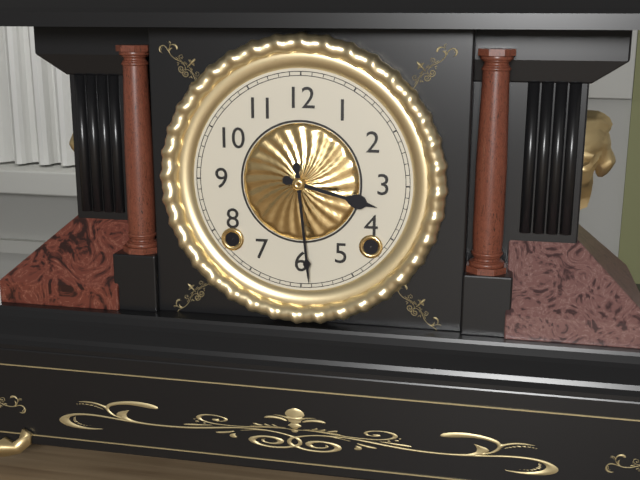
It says 3.29
